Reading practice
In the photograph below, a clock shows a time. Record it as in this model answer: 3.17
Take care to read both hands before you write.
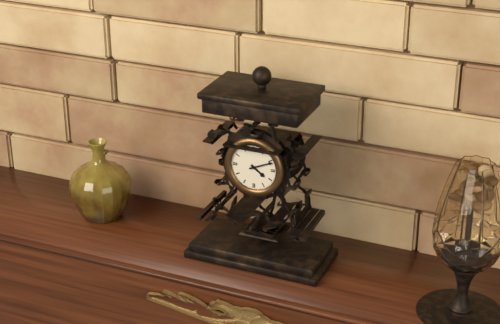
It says 4.11
